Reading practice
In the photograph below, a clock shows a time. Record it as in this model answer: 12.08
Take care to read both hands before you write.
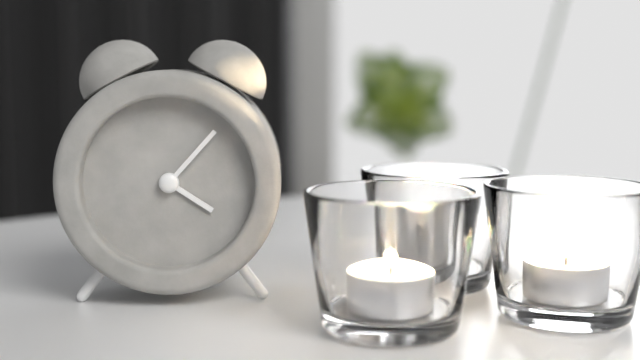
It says 4.07
